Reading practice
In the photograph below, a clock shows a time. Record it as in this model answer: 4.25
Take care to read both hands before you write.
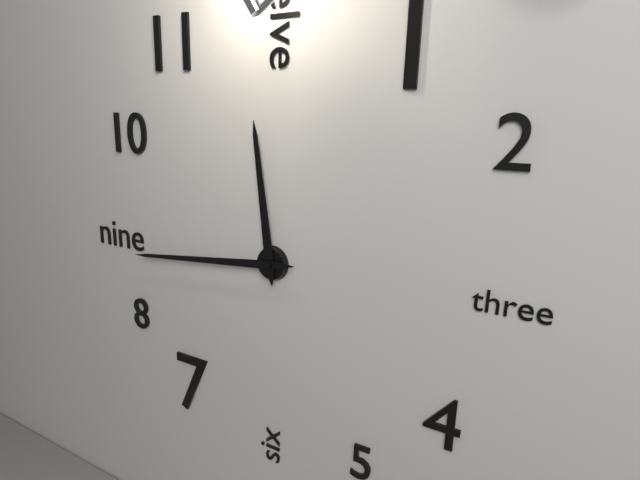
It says 11.44
